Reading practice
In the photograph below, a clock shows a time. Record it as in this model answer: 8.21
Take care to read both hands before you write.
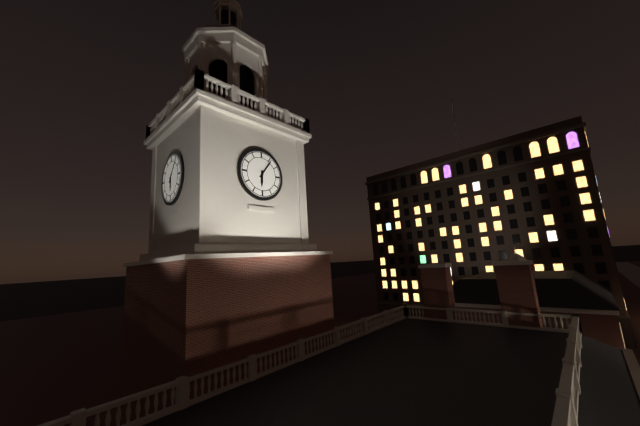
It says 6.06
